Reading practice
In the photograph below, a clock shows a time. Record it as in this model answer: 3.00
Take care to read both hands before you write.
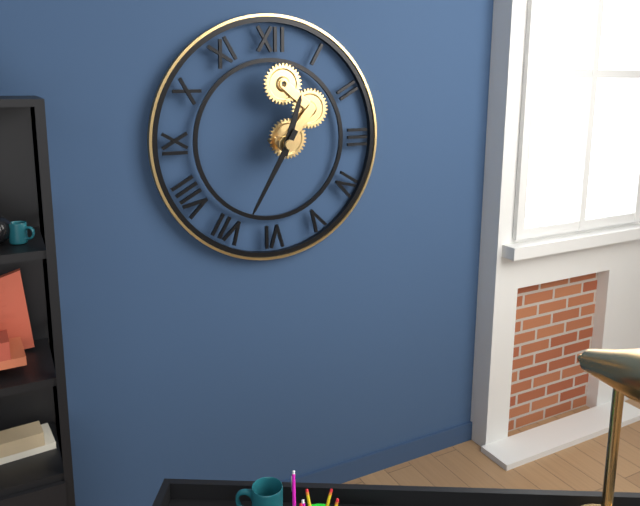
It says 12.35
